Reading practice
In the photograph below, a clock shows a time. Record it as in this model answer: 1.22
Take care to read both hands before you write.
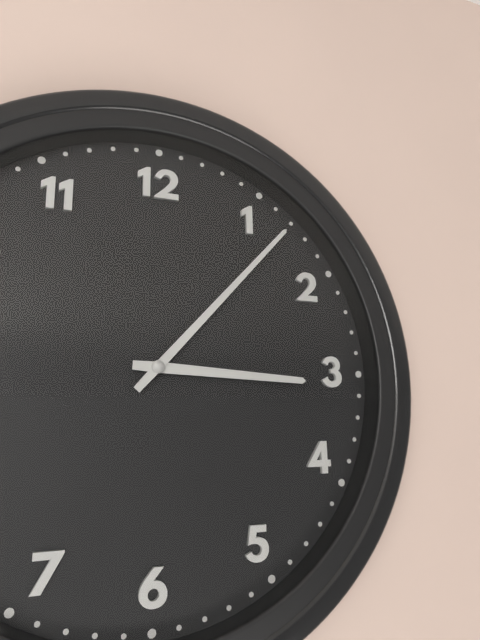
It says 3.07
